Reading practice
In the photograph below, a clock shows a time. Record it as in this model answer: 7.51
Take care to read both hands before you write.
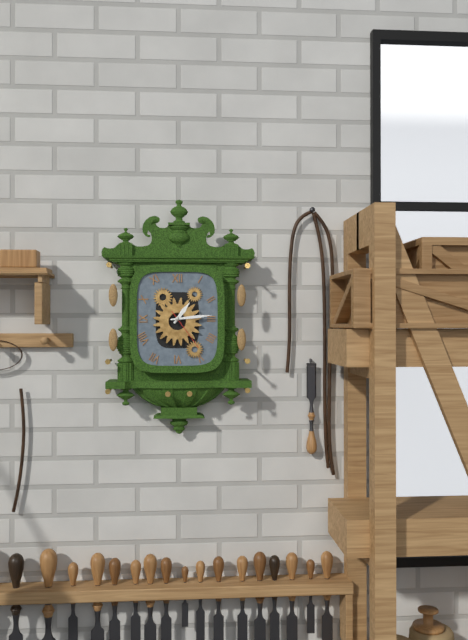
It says 1.14
